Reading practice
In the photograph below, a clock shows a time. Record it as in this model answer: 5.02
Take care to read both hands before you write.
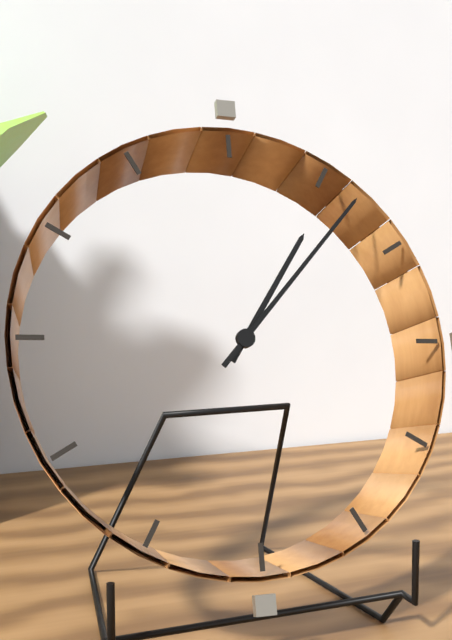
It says 1.07
